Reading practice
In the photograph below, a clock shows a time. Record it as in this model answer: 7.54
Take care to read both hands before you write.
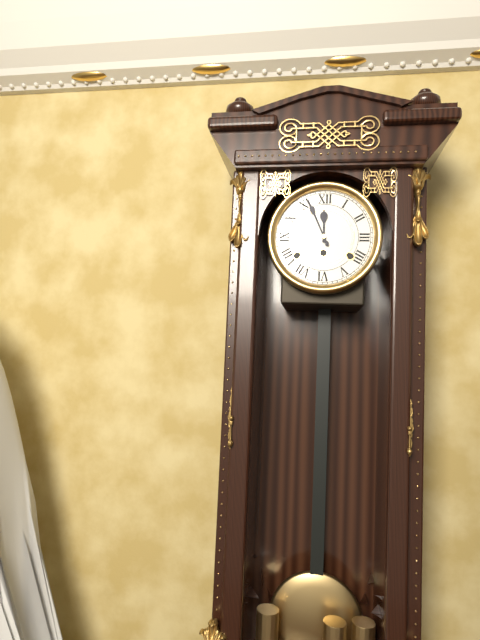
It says 11.56
